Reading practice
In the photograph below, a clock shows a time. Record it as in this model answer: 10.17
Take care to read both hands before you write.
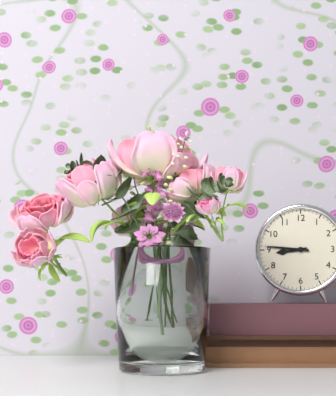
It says 8.46
